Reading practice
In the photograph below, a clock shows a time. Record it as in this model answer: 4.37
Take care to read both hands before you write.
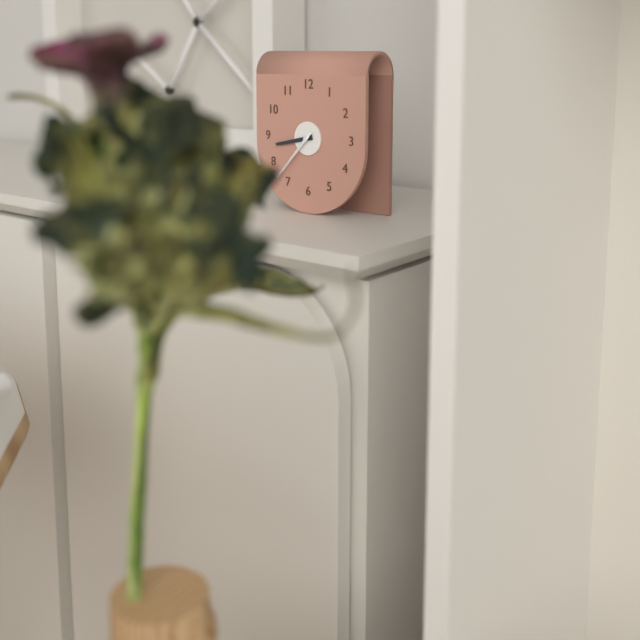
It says 8.37
